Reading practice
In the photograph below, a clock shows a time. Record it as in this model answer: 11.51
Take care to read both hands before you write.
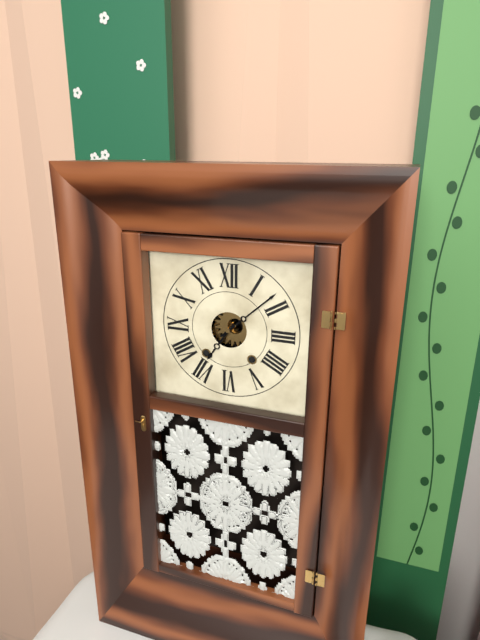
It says 7.08
